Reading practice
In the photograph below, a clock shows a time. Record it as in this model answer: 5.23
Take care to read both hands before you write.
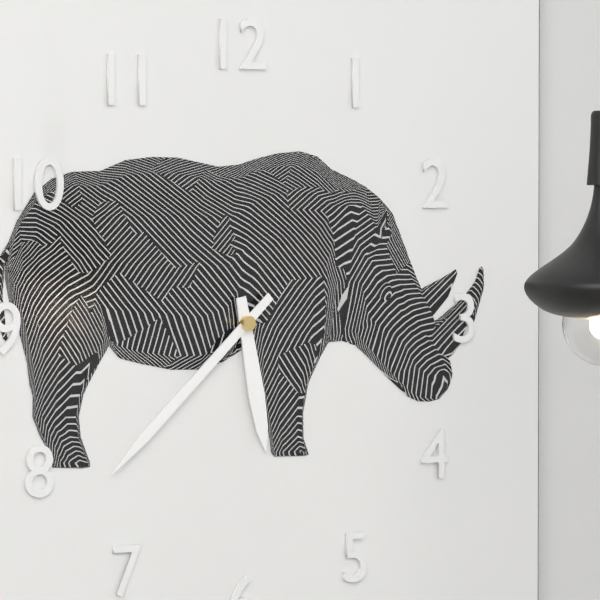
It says 5.38
